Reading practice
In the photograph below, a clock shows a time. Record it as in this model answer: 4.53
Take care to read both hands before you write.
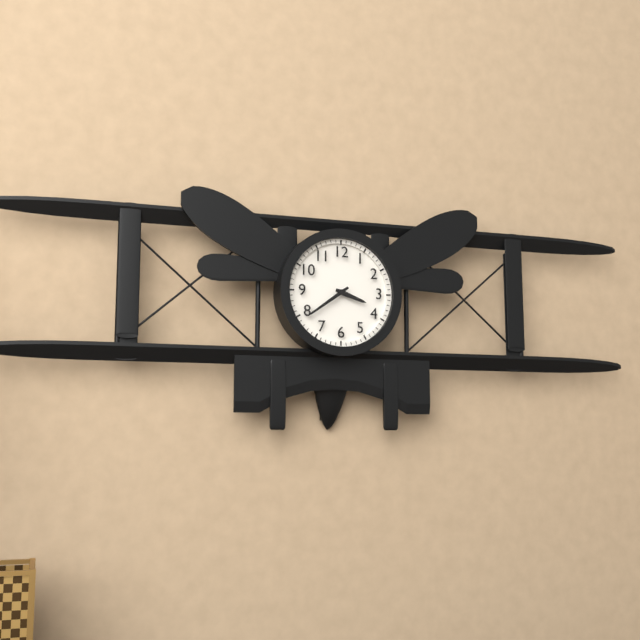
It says 3.39
